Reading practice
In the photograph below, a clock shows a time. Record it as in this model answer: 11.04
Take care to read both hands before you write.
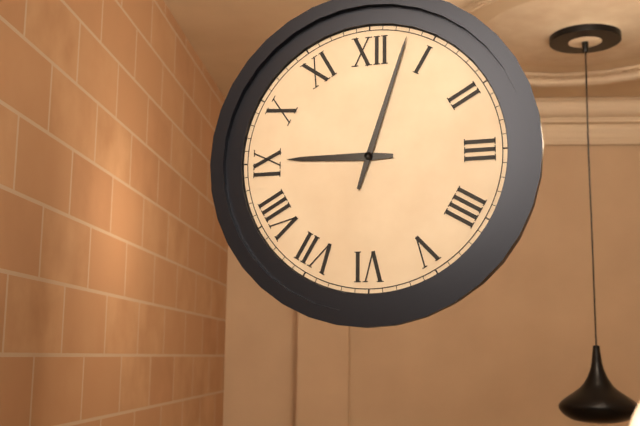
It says 9.03
